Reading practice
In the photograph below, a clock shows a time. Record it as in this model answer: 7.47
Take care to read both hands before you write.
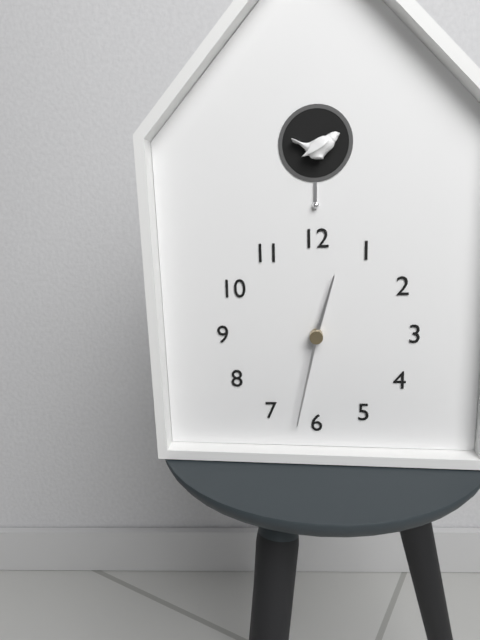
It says 12.32
